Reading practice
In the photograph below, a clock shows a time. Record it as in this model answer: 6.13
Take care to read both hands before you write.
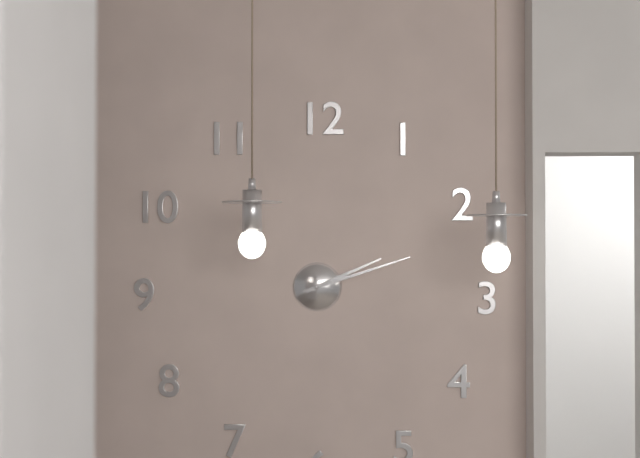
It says 2.12
